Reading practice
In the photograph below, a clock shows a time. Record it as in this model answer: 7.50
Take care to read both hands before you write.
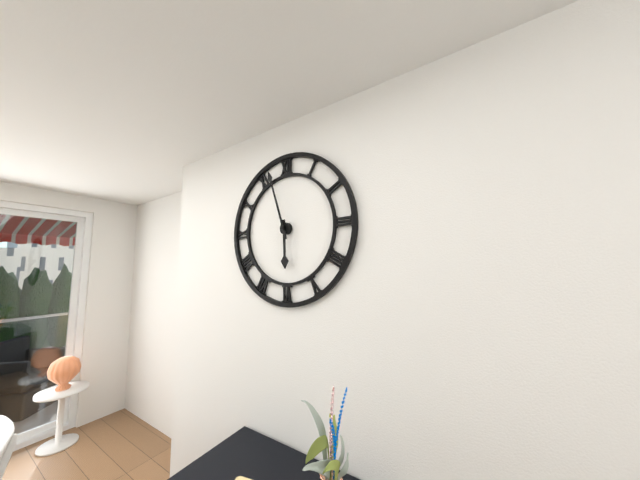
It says 5.57
